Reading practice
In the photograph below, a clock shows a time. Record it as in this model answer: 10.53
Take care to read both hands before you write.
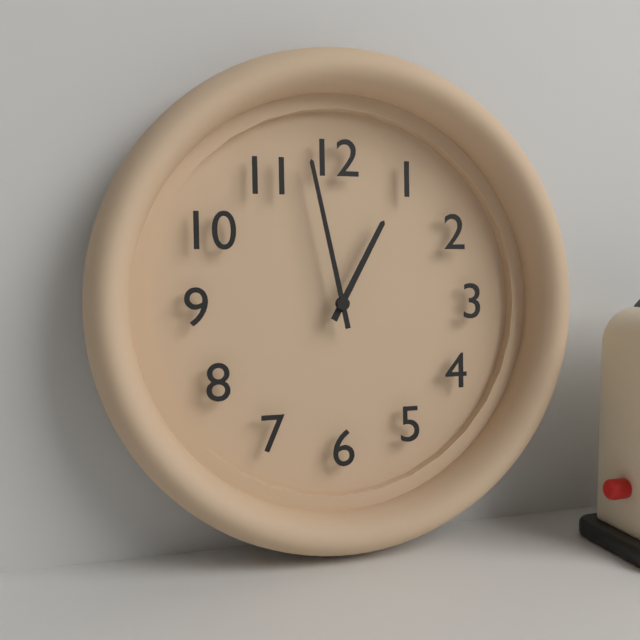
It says 12.58
